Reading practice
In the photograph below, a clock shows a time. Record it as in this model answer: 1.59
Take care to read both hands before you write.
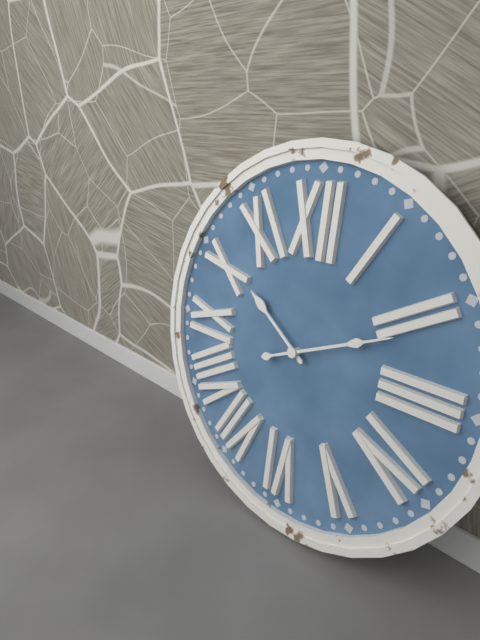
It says 10.11
